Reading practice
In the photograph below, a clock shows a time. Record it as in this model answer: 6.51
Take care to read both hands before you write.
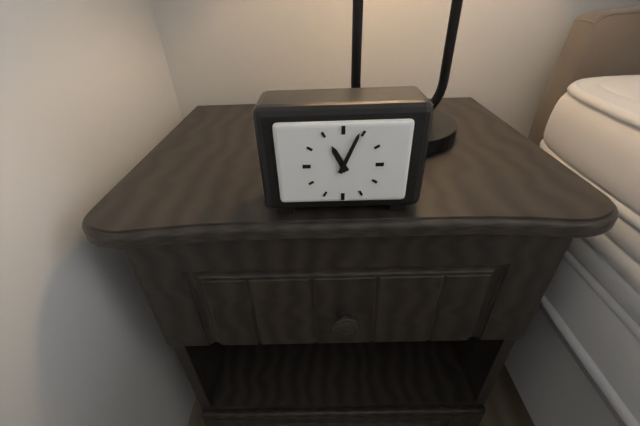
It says 11.04
